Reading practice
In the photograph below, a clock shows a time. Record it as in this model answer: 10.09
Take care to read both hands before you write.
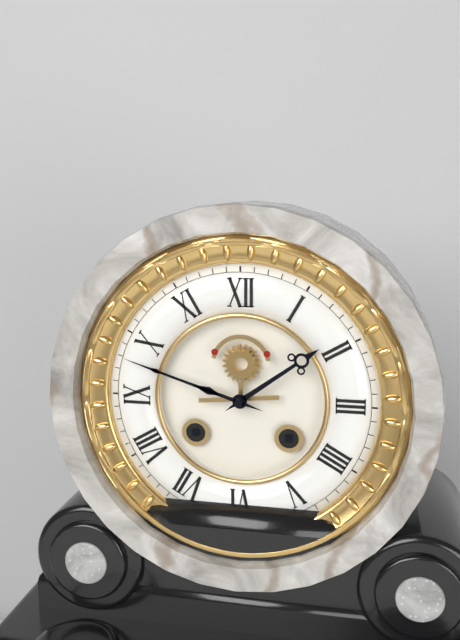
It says 1.48
